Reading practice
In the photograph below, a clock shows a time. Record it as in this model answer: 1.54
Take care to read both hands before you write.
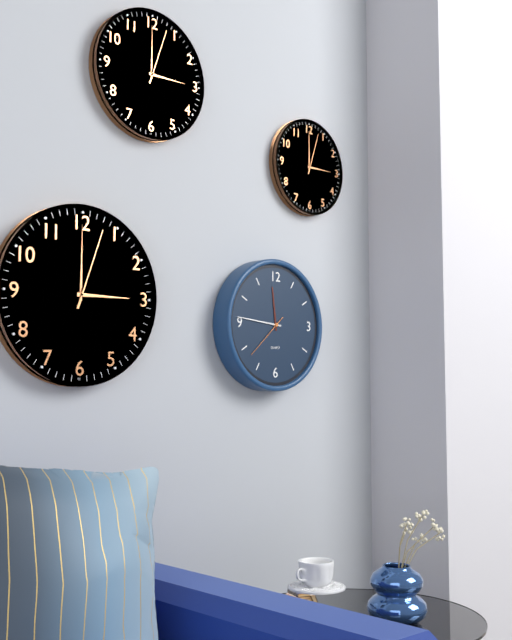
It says 11.46
